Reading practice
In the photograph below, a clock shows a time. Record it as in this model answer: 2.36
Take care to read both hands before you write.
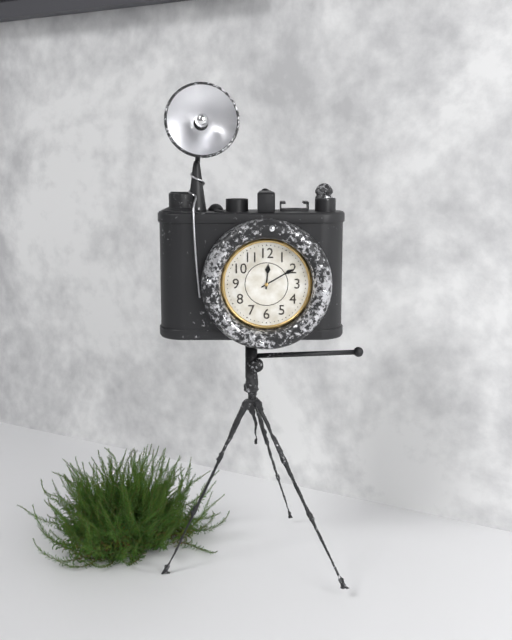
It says 12.10
